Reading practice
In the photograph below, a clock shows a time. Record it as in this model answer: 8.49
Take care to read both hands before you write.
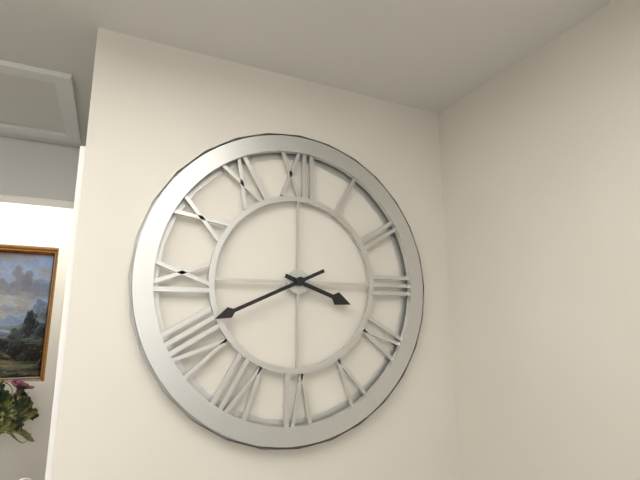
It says 3.41
